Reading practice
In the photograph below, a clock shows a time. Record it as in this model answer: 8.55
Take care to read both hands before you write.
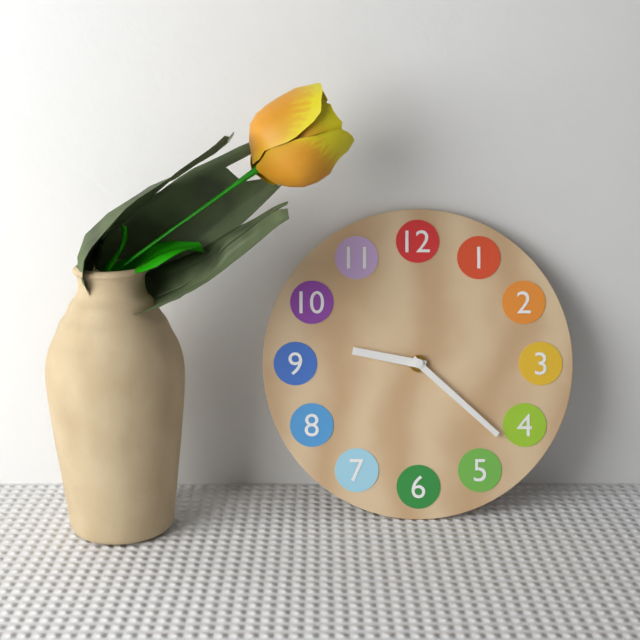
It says 9.22
